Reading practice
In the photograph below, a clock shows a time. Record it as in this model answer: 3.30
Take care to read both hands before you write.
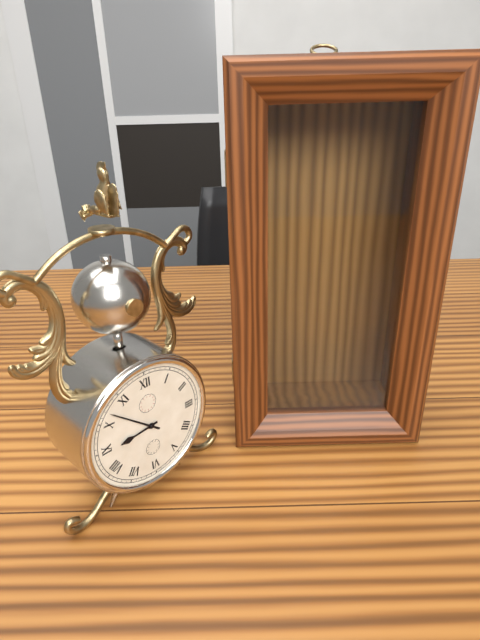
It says 8.52
